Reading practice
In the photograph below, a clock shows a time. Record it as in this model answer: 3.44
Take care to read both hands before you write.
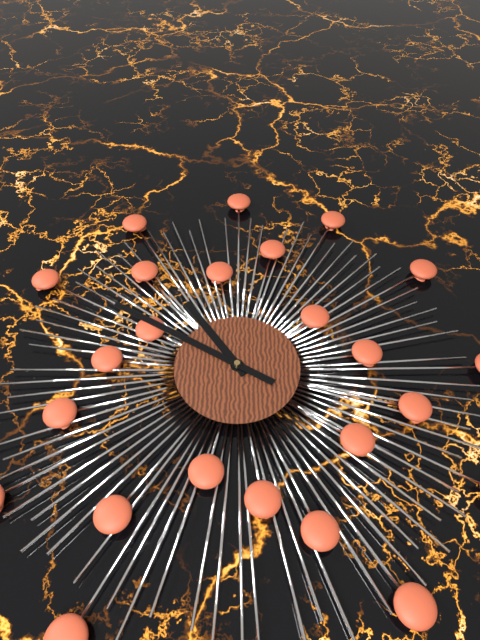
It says 10.50
